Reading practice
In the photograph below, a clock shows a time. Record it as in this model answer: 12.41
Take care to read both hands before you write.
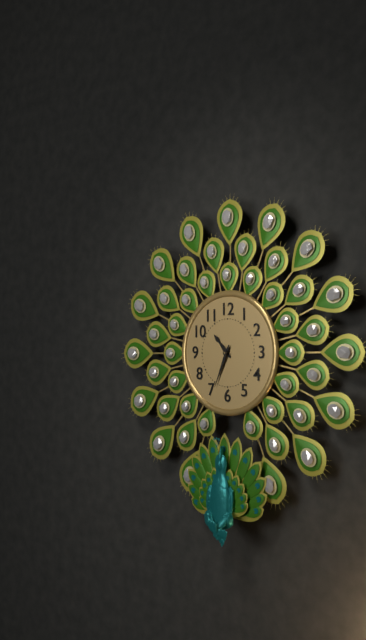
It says 10.34
